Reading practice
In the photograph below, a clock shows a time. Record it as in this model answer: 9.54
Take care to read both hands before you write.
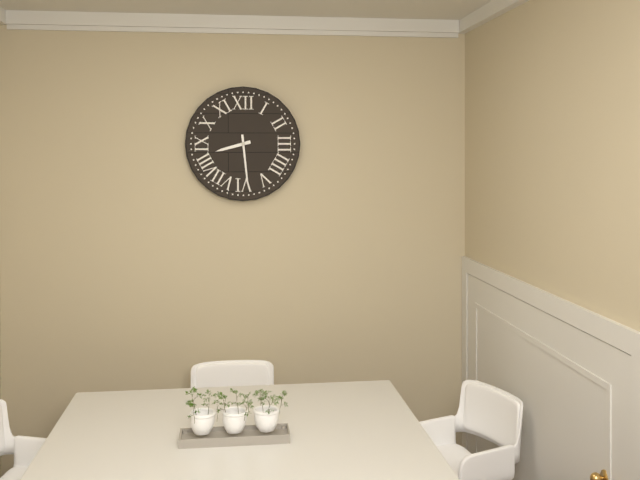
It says 8.29
